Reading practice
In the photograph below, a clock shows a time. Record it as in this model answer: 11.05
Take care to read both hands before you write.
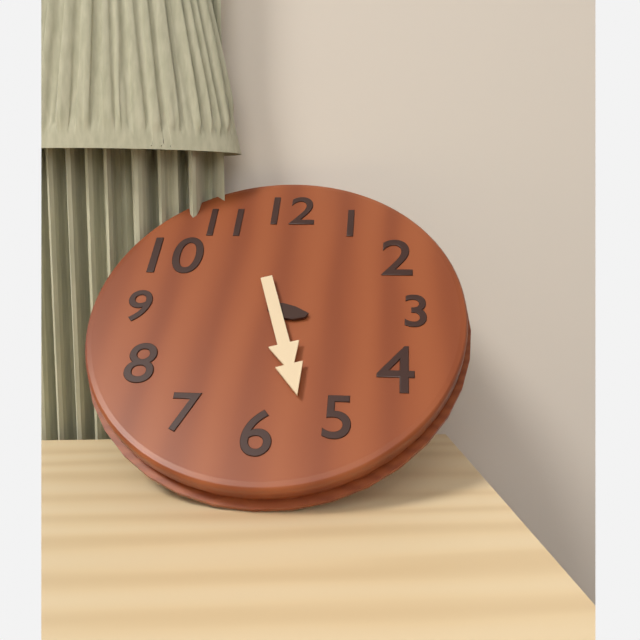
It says 3.27
